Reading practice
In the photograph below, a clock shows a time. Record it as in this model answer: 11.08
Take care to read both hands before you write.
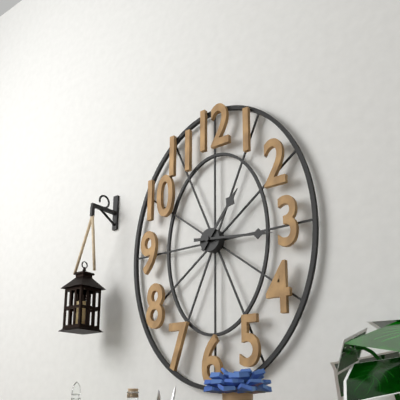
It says 1.16
